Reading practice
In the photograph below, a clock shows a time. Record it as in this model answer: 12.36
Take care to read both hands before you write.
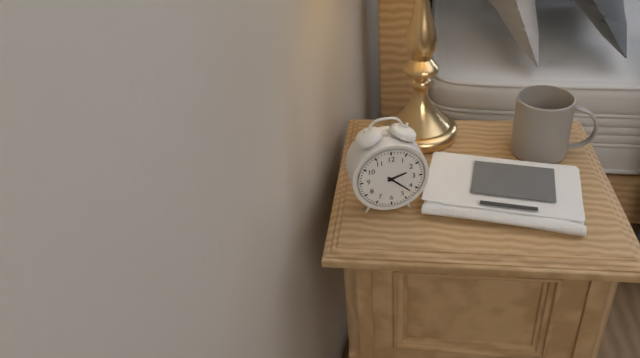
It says 2.22
